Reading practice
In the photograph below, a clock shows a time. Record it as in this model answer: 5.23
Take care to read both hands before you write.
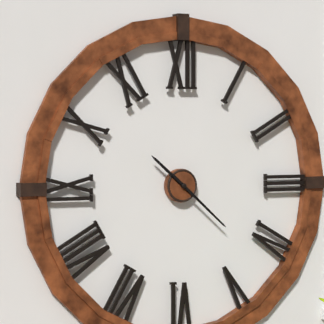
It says 10.22
